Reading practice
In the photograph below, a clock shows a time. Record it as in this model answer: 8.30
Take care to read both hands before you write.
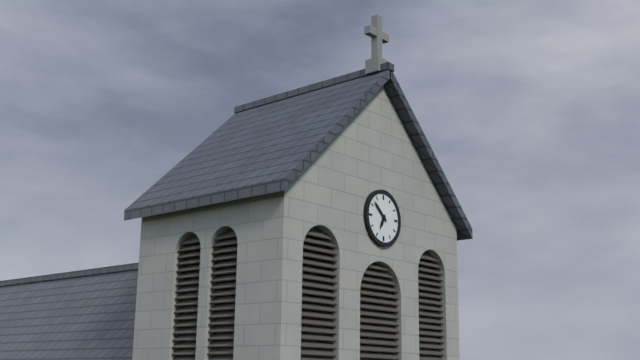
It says 6.52
